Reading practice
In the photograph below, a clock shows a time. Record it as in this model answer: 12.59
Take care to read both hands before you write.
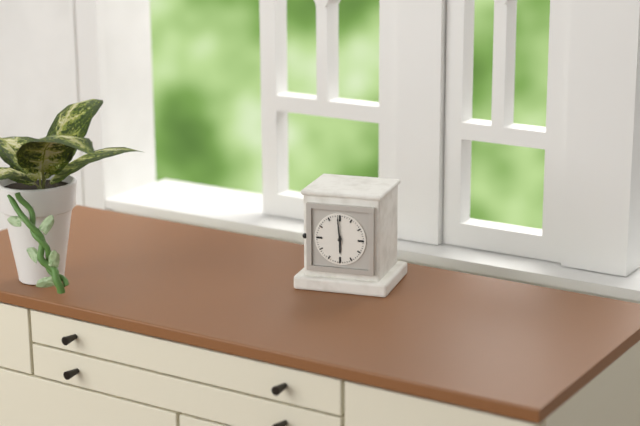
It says 5.59
